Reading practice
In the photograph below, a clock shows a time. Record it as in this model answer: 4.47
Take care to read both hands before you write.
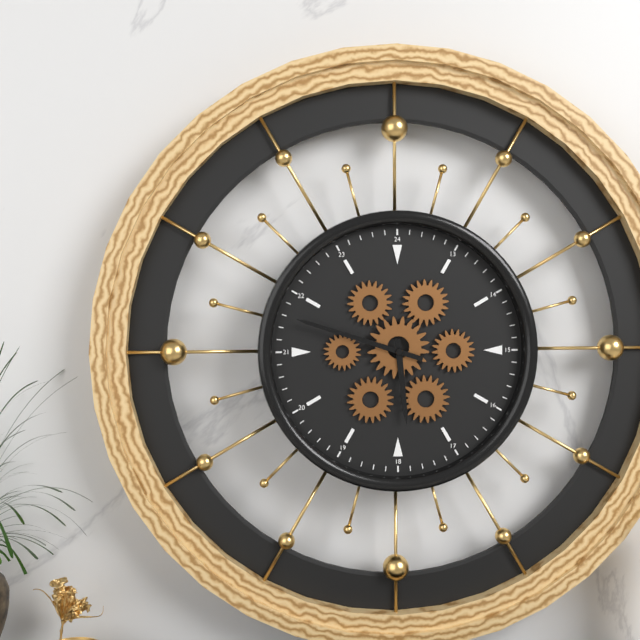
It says 5.48
